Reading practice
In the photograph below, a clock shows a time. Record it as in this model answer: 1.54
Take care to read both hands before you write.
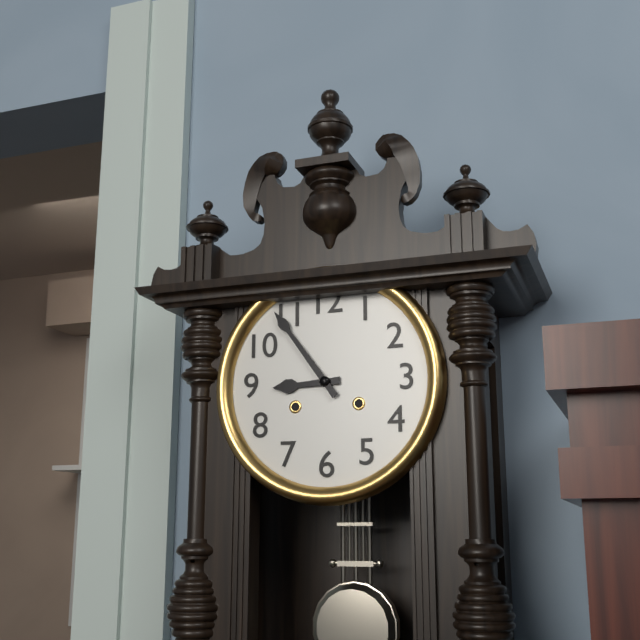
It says 8.54
